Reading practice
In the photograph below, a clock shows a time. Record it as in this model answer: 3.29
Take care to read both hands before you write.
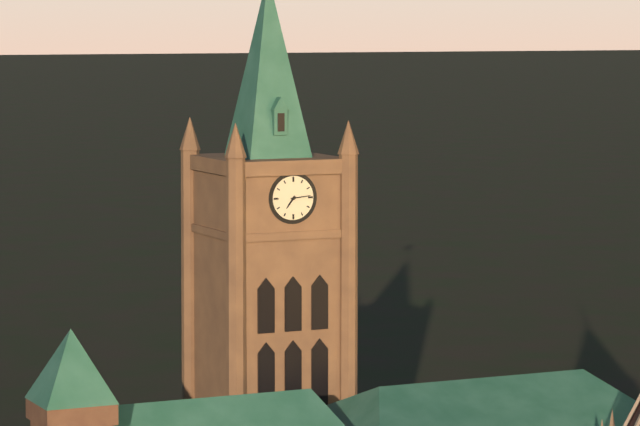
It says 7.14
